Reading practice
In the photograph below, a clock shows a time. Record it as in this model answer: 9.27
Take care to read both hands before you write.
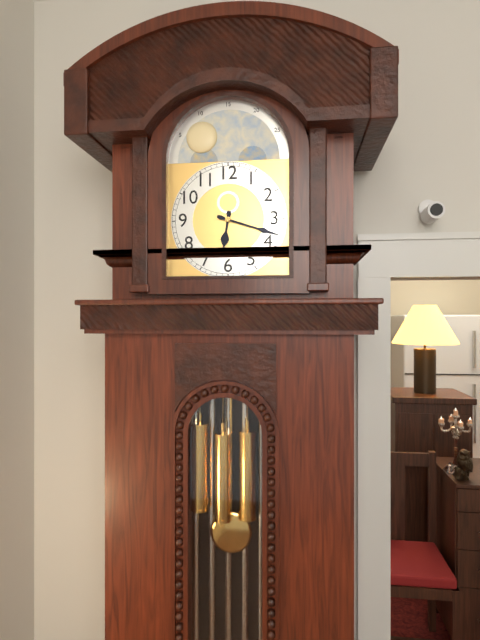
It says 6.18
